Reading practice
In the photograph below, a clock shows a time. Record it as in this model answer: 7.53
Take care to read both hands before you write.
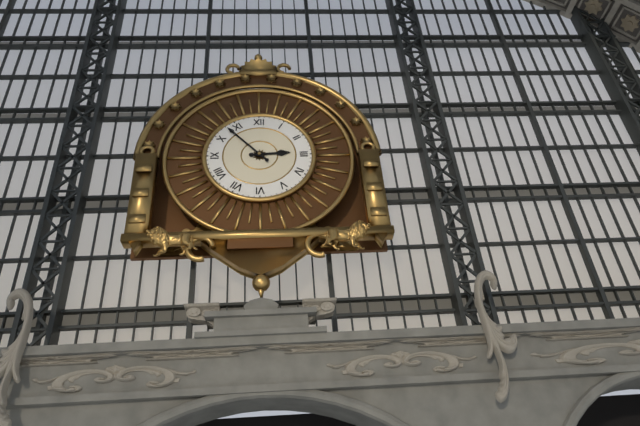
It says 2.53
